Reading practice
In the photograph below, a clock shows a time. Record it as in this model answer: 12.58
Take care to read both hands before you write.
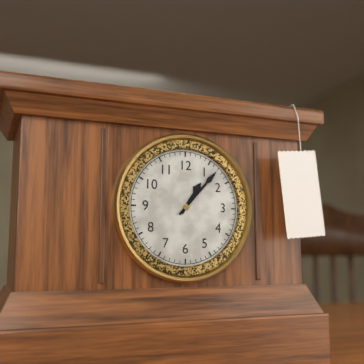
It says 1.07
